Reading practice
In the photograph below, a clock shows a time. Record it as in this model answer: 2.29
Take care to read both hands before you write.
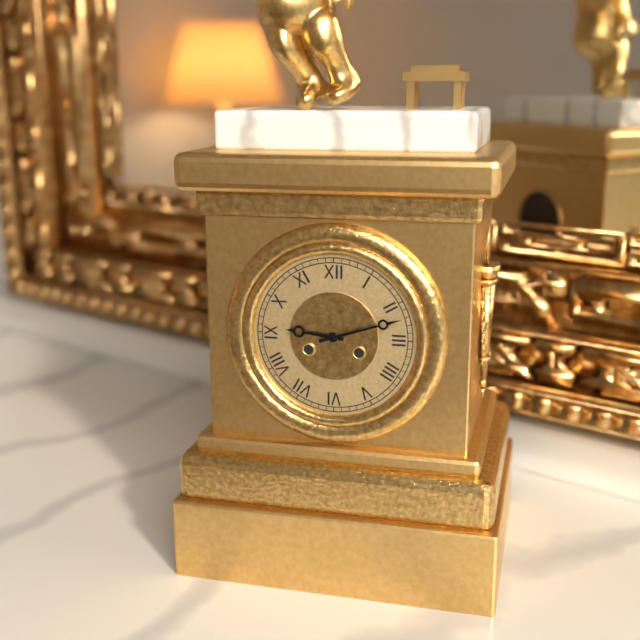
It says 9.12
